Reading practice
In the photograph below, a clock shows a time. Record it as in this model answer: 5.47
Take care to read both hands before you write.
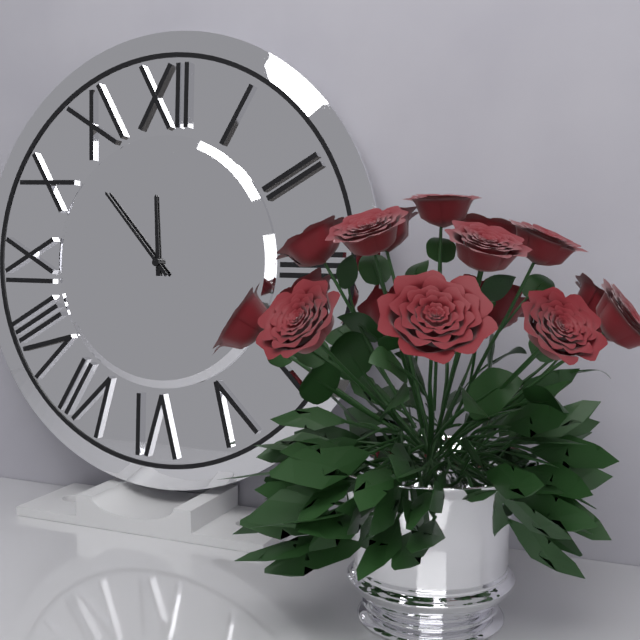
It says 11.53
